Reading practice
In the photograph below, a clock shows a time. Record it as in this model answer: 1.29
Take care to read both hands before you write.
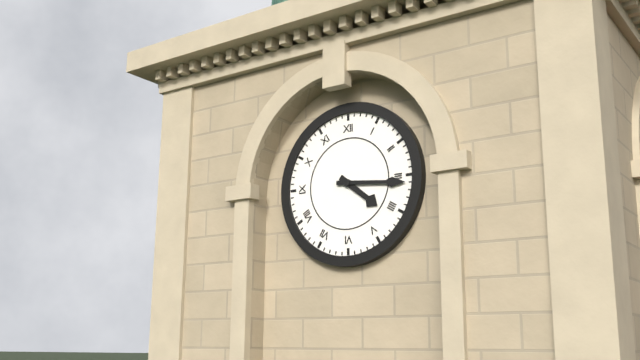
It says 4.16
